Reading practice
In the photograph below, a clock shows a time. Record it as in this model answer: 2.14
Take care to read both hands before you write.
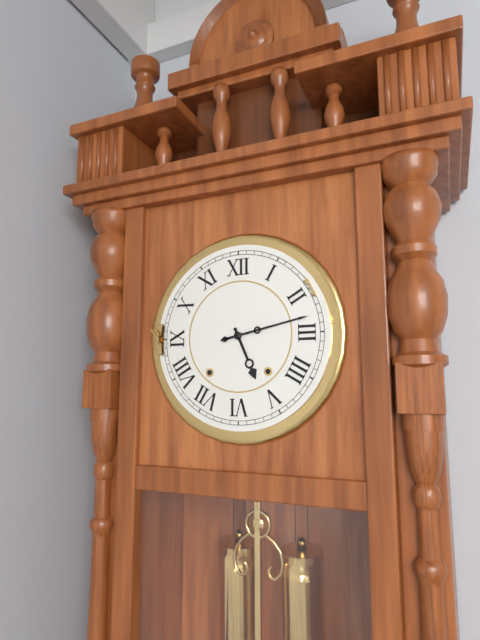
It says 5.13
